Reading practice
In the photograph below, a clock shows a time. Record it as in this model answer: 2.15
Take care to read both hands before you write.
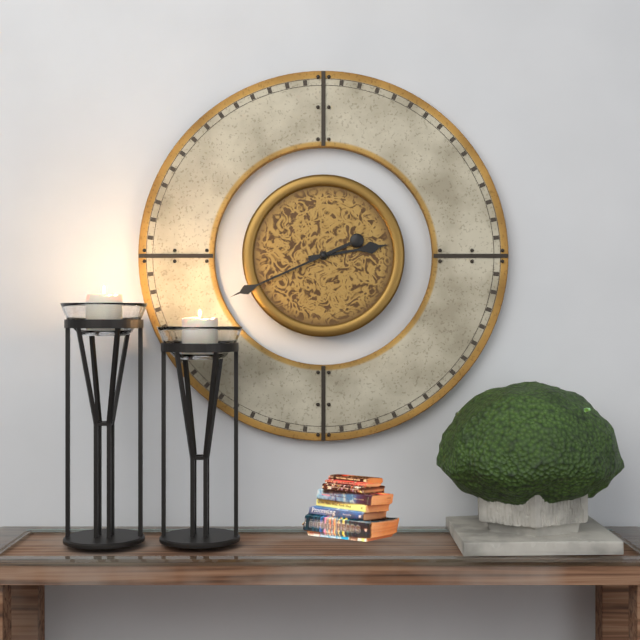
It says 2.41
